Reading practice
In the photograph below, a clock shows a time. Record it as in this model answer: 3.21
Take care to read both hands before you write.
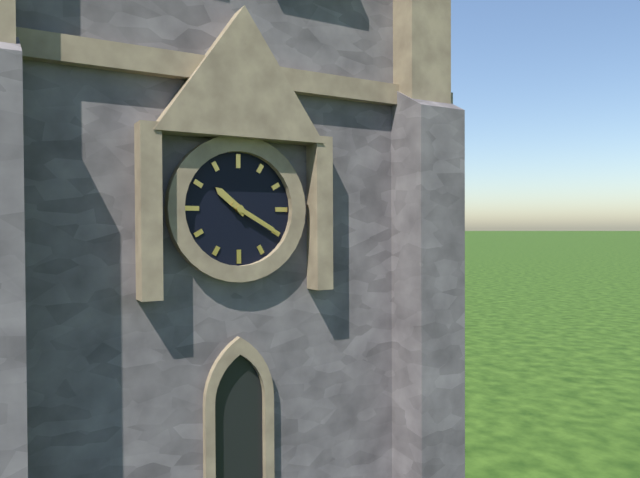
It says 10.20
